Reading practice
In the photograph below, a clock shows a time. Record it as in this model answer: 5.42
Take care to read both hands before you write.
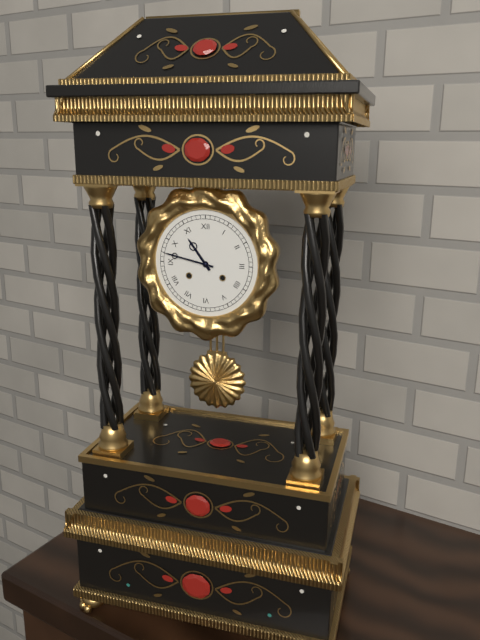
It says 10.47
